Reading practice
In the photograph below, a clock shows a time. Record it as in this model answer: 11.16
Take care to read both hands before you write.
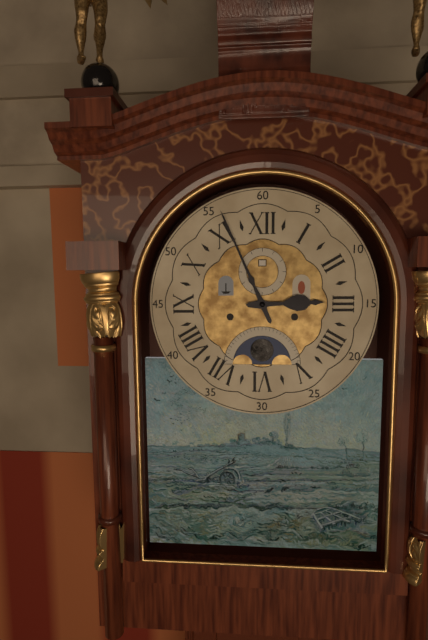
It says 2.56
